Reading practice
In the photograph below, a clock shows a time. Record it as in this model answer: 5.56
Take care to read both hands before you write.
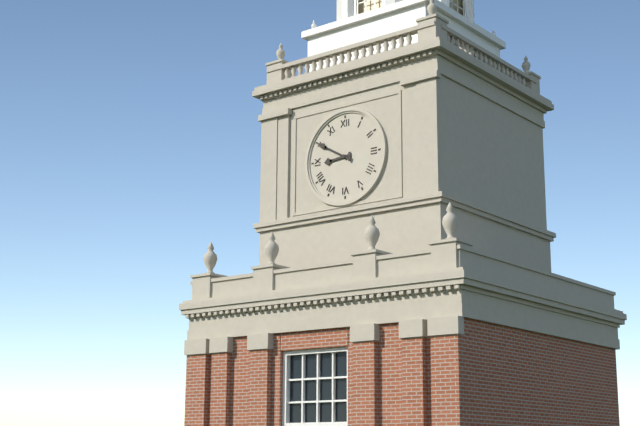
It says 8.50
